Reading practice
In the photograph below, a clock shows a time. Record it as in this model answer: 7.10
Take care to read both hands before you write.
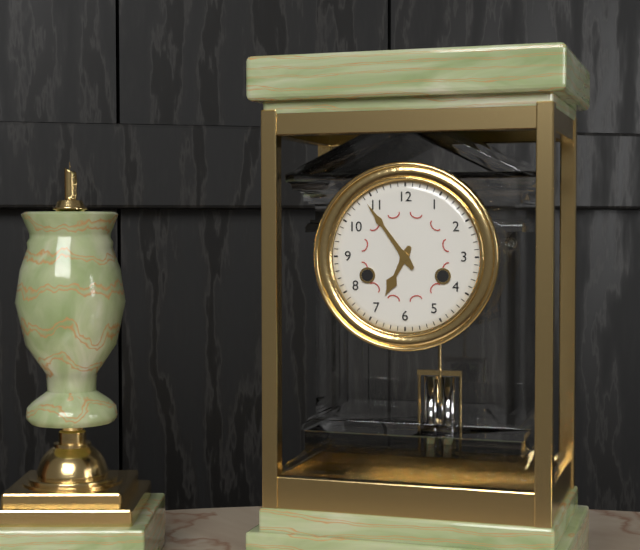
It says 6.54
